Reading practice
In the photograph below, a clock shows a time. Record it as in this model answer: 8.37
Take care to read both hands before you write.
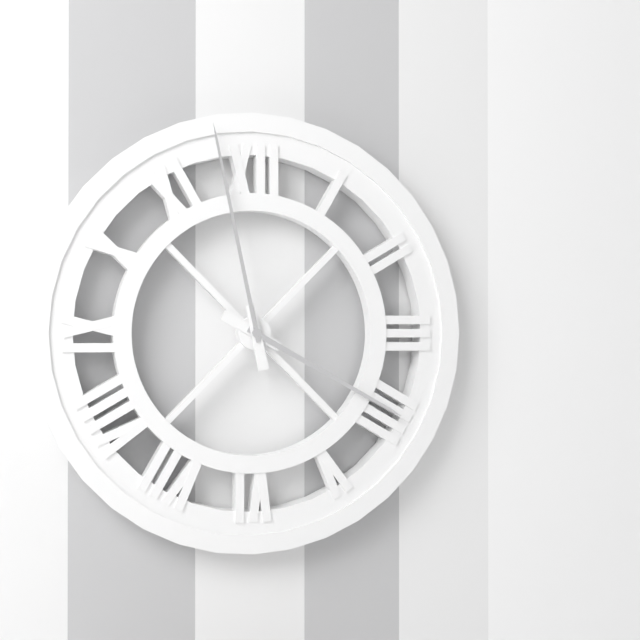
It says 3.58
